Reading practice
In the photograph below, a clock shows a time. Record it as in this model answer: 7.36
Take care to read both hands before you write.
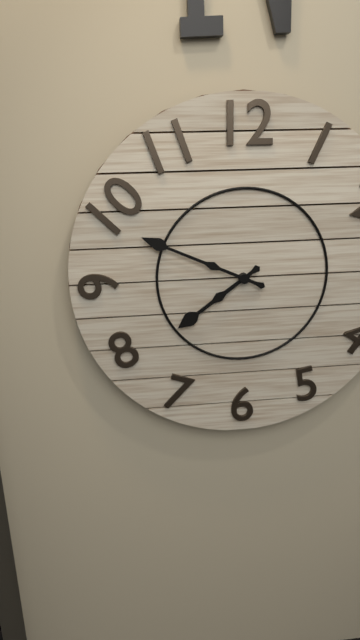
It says 7.49
